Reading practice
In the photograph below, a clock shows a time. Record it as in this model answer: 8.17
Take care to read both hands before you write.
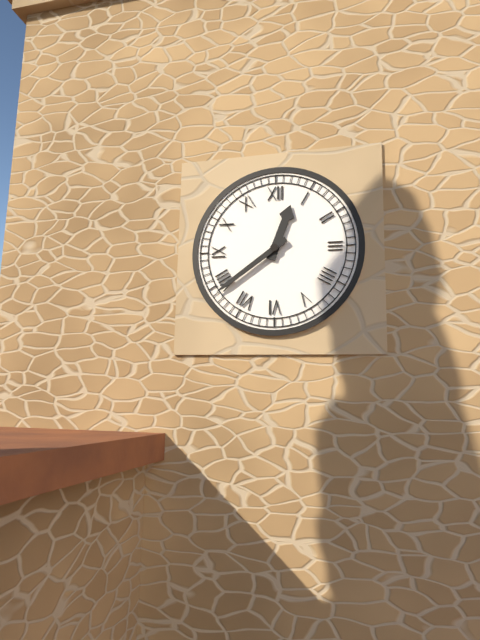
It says 12.39
